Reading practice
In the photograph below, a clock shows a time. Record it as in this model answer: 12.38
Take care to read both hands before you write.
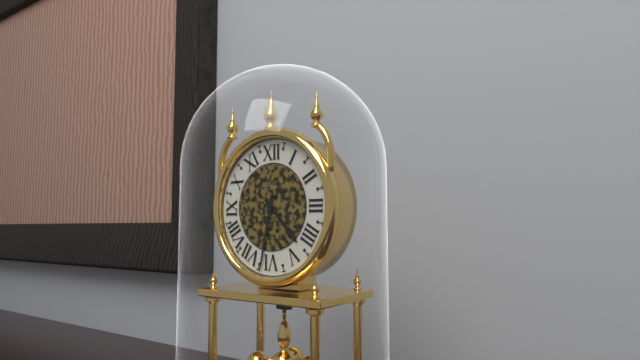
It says 4.32
